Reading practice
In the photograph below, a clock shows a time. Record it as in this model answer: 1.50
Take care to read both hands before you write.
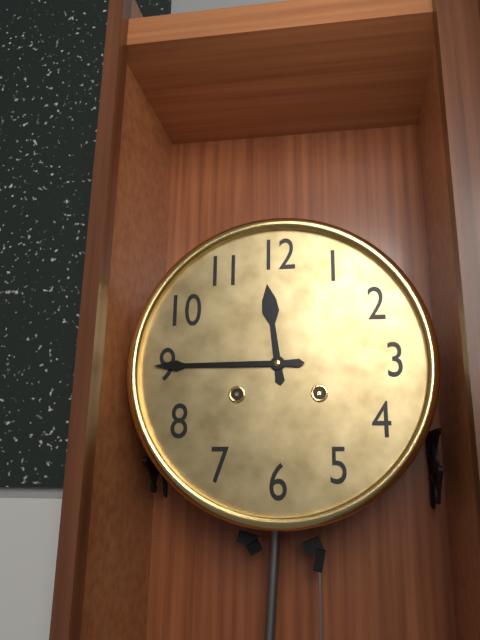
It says 11.45
